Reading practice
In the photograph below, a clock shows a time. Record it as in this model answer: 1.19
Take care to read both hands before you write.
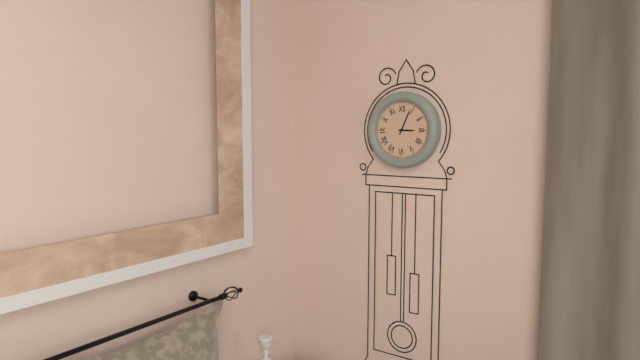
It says 3.04
